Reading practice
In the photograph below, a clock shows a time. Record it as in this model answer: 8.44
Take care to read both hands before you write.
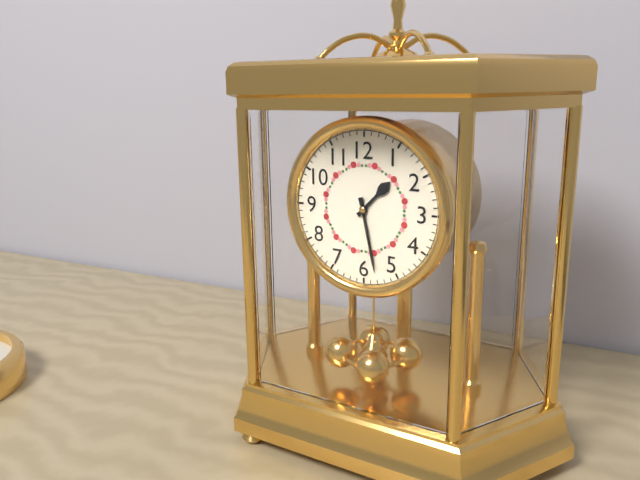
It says 1.28
